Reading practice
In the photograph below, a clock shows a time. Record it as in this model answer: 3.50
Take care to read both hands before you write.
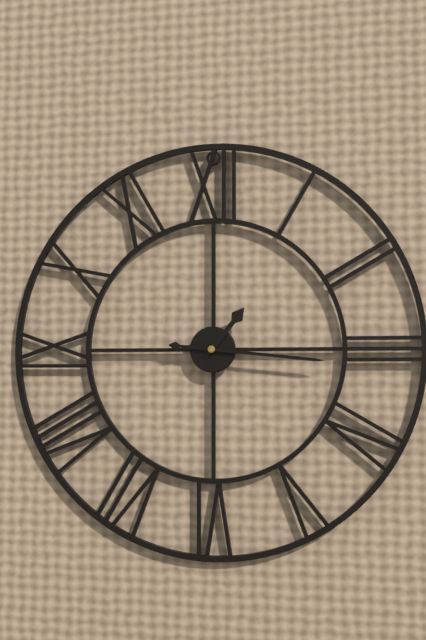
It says 1.16
